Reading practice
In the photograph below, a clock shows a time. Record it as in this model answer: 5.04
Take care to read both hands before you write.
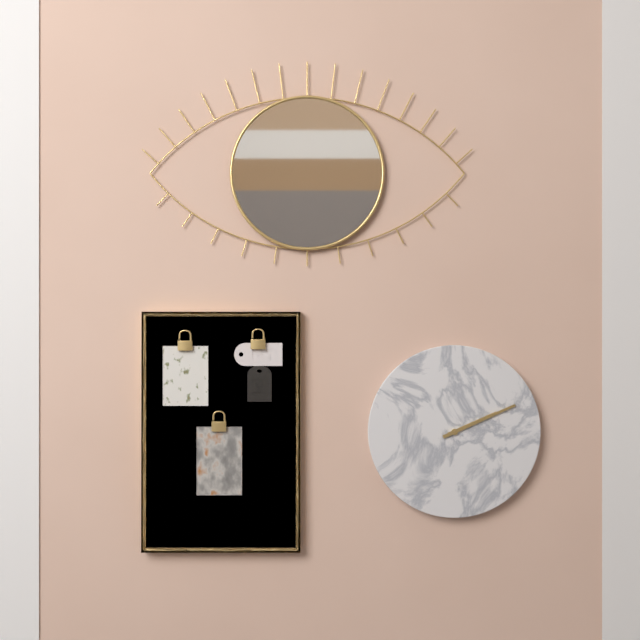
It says 2.11
